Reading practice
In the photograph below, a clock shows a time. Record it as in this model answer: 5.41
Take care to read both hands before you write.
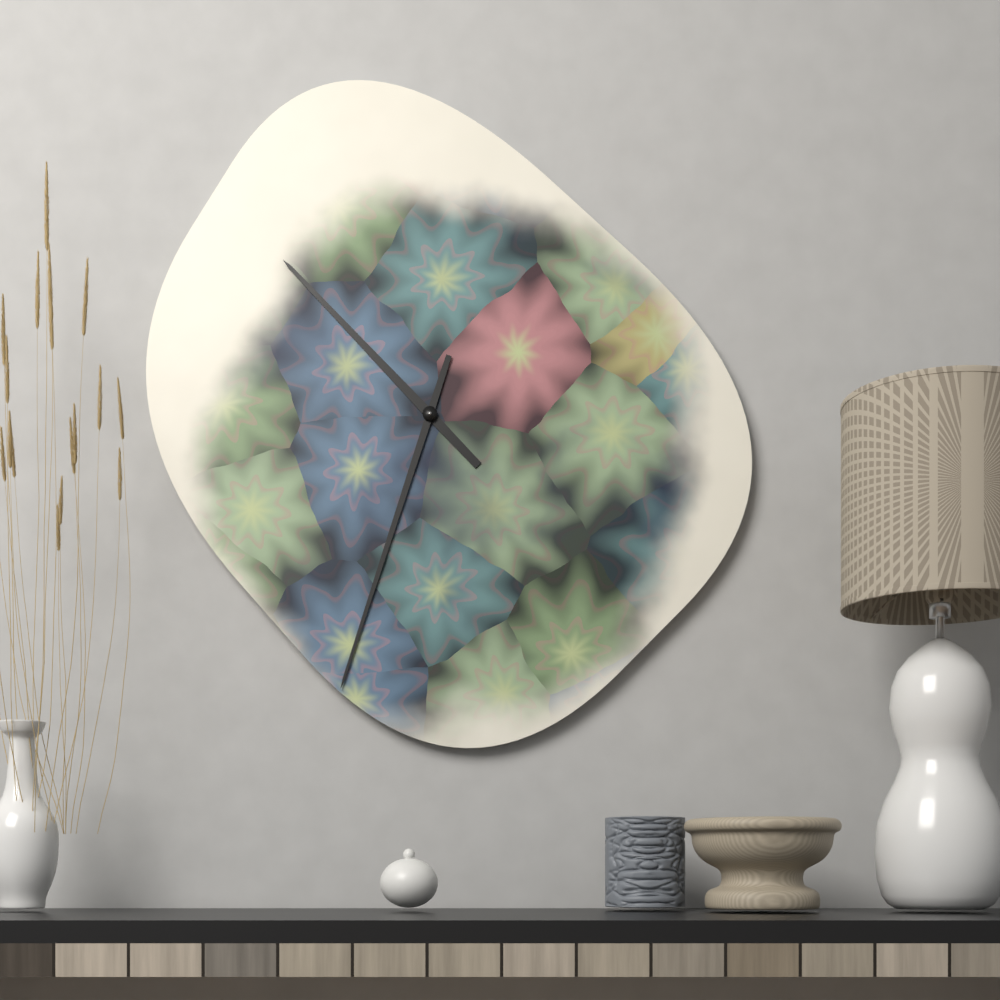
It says 10.33
